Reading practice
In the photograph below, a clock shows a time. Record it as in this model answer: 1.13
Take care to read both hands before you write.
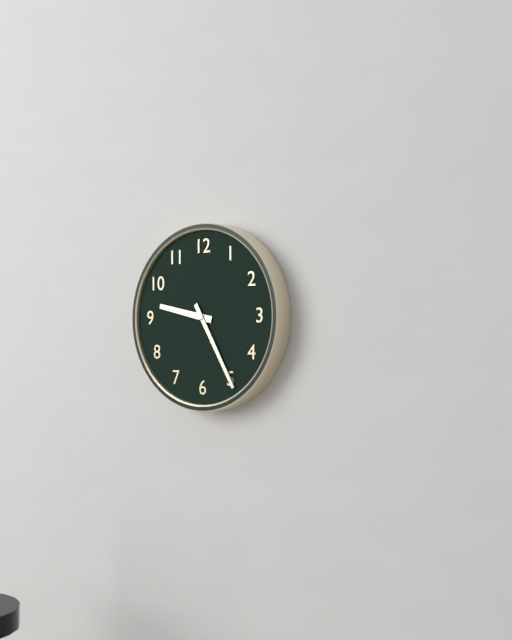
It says 9.25
